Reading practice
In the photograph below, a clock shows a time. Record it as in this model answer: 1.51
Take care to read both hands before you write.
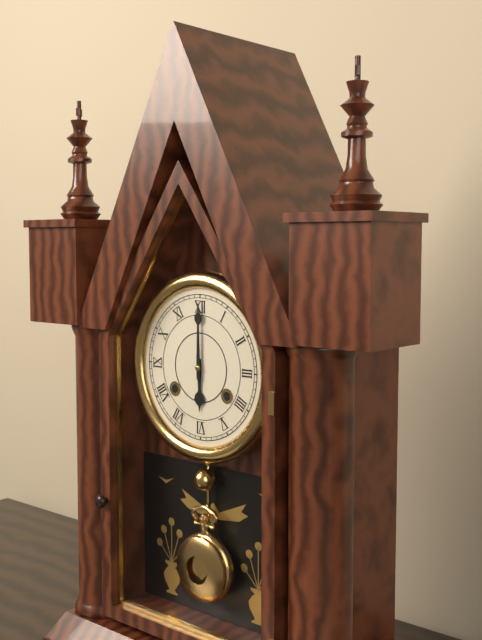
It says 6.00
